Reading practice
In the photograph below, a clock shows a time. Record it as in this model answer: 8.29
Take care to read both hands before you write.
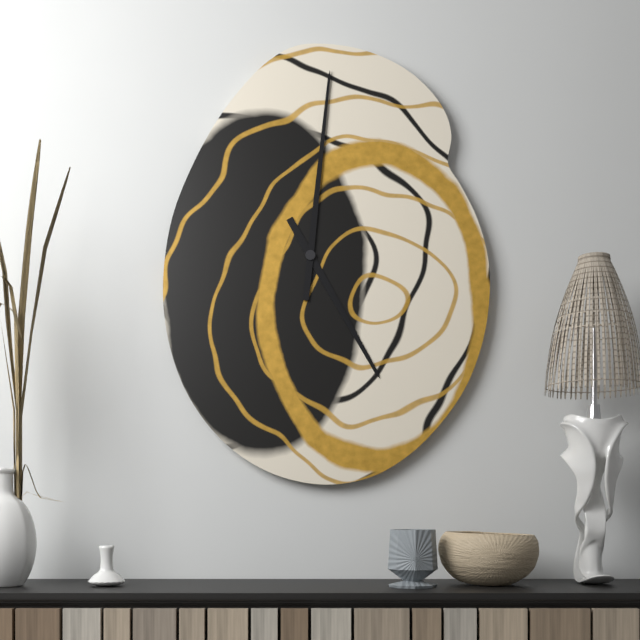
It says 5.01
